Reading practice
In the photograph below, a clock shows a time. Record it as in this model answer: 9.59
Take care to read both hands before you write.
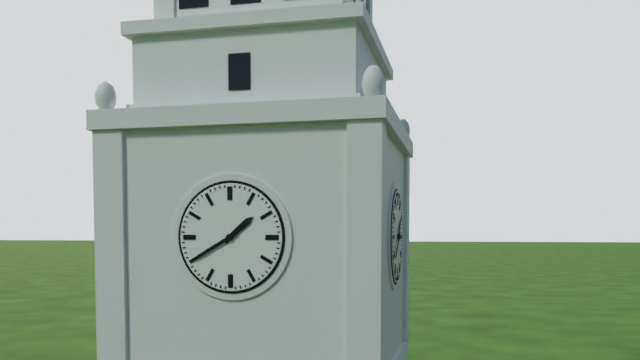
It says 1.40
